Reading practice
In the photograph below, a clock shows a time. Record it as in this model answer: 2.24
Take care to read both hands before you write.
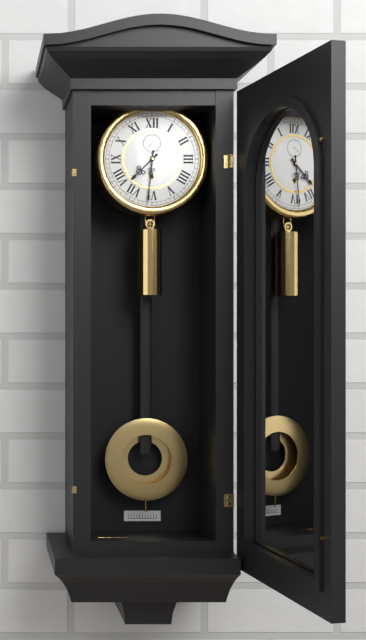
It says 7.31
